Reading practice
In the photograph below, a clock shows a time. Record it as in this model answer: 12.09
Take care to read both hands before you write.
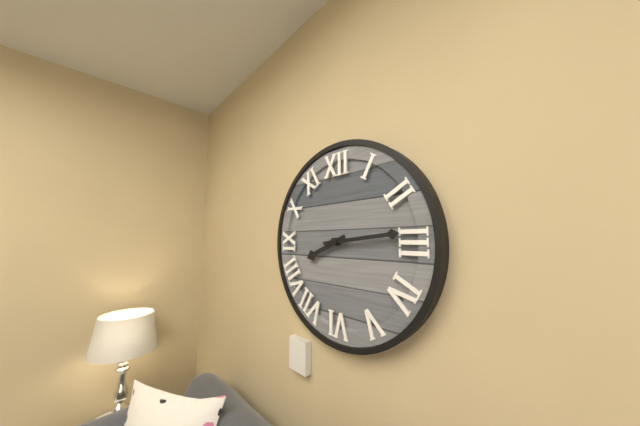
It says 8.14
